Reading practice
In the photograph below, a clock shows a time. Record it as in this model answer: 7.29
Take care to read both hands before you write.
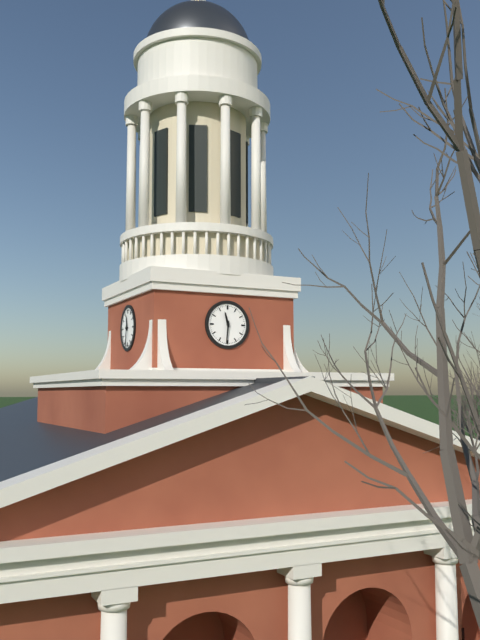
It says 11.31
